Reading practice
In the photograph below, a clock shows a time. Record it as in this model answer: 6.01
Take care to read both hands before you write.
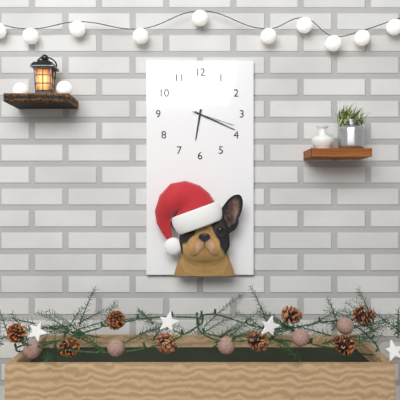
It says 6.19
